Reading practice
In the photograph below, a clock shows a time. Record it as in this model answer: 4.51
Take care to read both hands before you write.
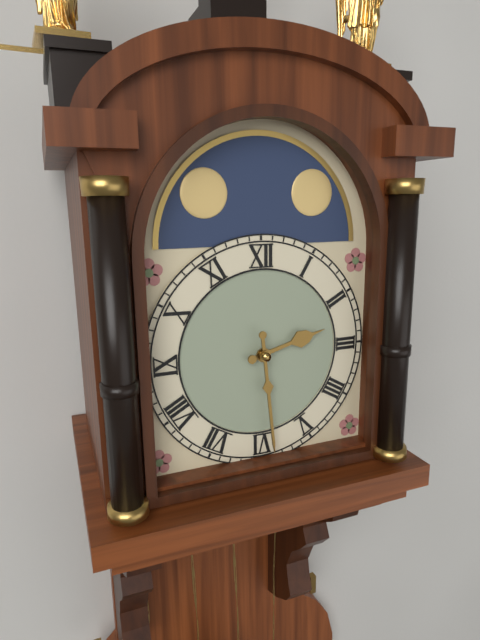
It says 2.29
